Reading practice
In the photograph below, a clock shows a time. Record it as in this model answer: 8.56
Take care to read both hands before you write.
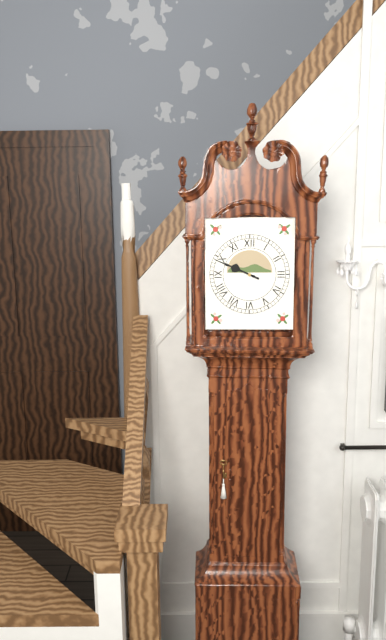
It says 9.49
